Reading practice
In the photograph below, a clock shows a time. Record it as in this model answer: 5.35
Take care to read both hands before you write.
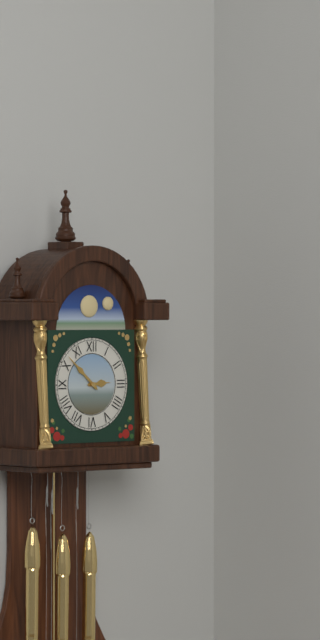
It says 2.52
